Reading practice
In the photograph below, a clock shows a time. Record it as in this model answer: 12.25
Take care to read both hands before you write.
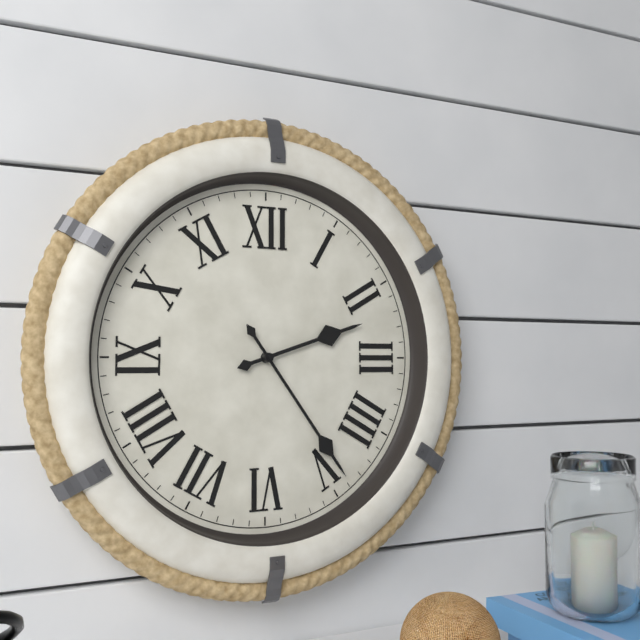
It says 2.24
